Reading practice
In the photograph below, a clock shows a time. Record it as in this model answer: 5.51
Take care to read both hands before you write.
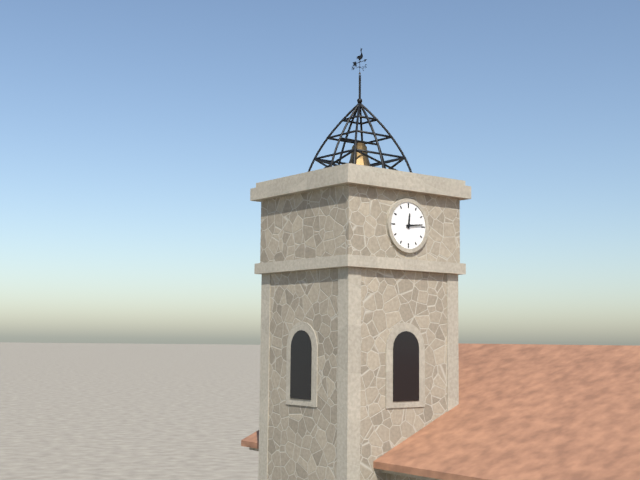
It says 12.14
